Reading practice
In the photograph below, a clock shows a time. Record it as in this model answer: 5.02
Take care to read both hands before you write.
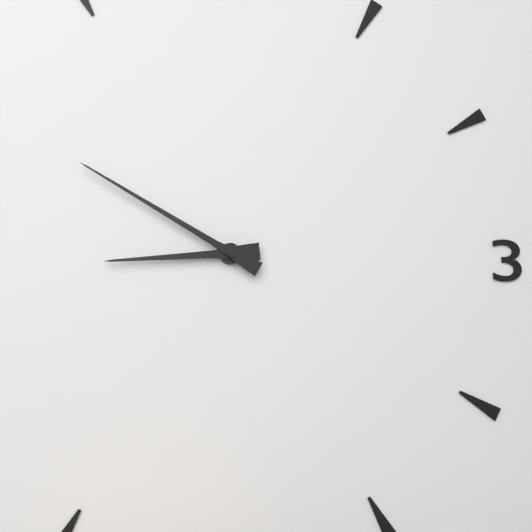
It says 8.50
